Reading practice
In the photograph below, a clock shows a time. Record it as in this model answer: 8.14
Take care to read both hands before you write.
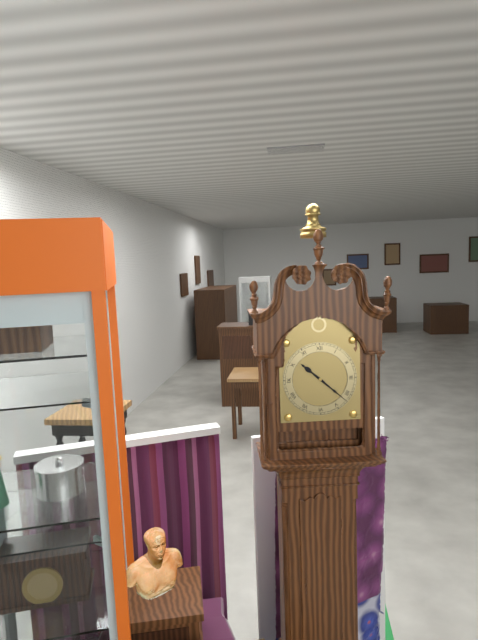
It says 10.22
